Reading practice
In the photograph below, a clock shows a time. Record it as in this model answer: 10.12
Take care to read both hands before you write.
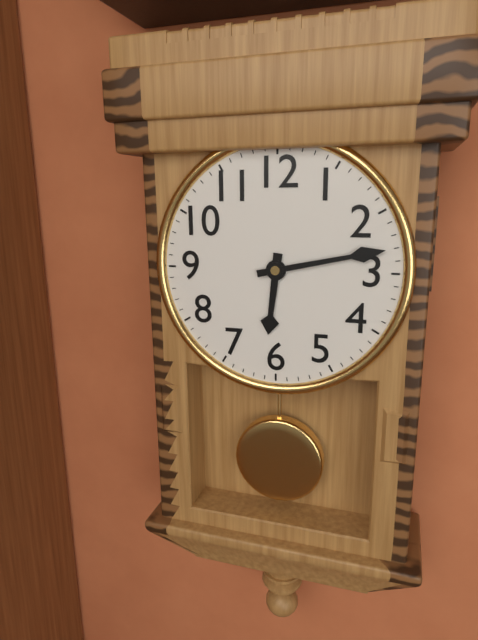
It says 6.13
